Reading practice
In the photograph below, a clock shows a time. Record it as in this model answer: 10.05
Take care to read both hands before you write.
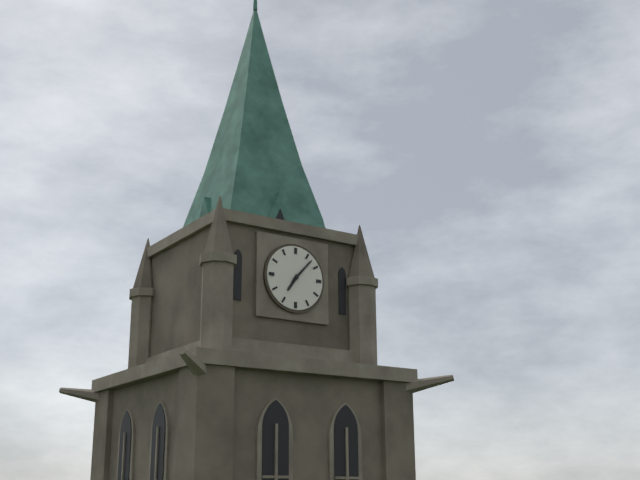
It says 7.07
